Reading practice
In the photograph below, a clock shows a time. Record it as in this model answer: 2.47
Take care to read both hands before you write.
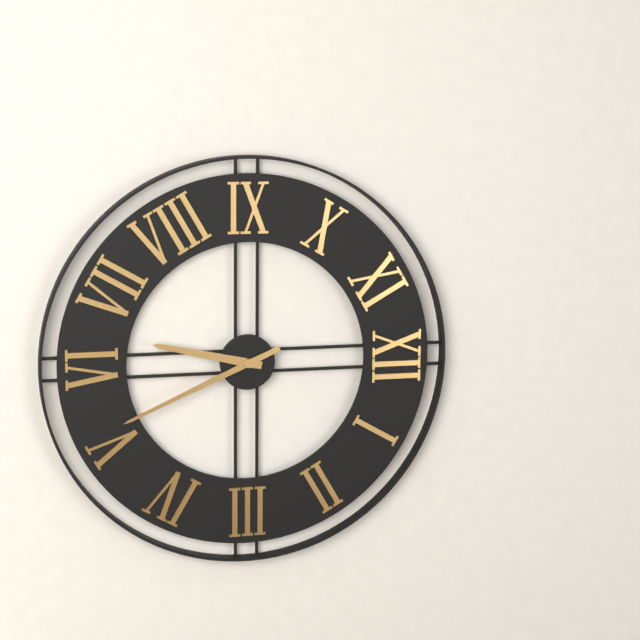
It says 6.26
